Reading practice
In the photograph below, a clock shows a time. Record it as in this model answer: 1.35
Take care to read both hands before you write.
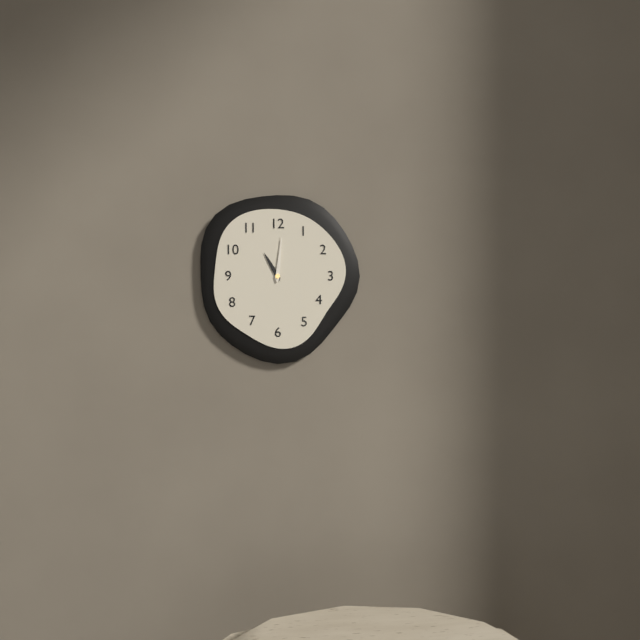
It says 11.01
